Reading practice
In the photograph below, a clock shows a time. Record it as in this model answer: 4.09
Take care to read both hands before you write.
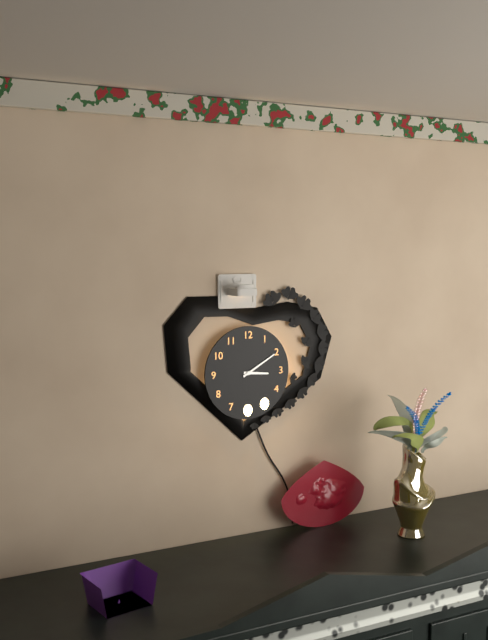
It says 3.10
